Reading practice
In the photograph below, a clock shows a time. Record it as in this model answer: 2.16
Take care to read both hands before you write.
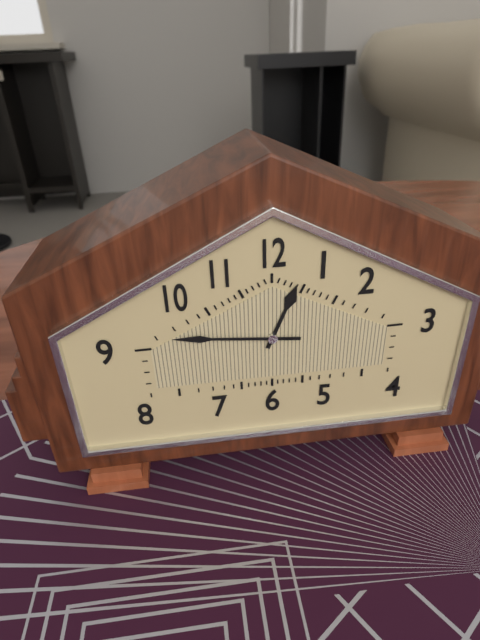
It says 12.46
